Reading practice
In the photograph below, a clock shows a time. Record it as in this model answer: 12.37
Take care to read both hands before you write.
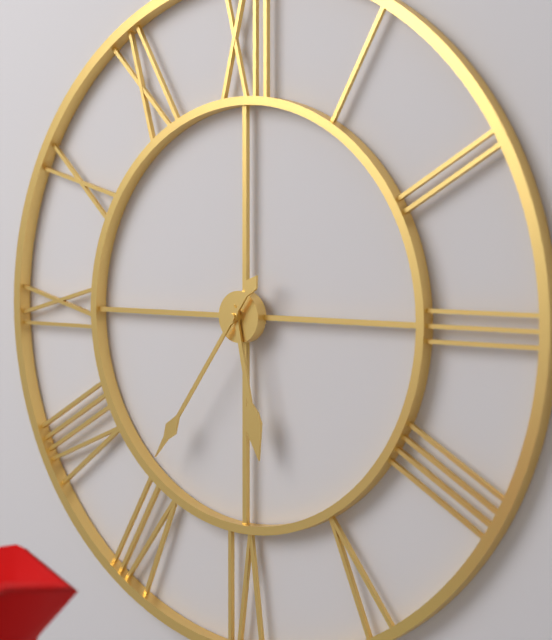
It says 5.36
